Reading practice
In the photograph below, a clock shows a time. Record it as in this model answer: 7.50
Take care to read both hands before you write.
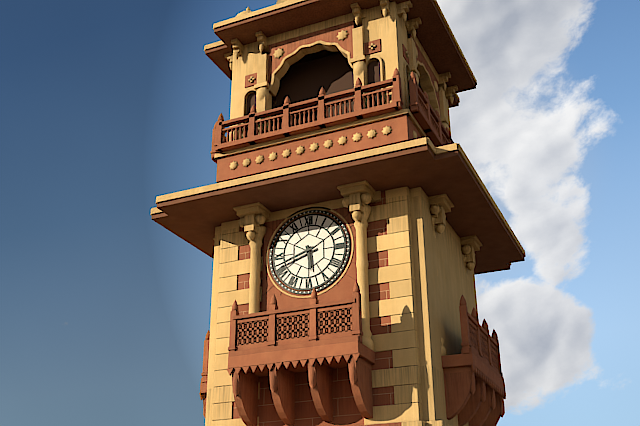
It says 5.42
